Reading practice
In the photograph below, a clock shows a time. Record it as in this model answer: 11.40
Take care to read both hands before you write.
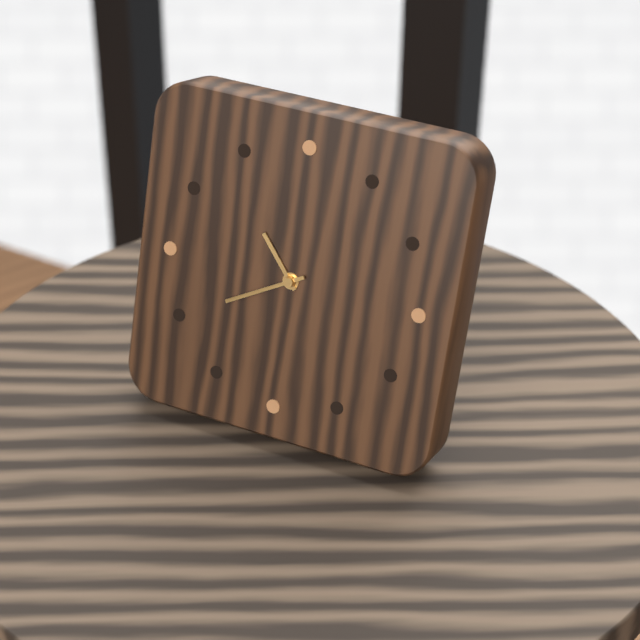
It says 10.40
